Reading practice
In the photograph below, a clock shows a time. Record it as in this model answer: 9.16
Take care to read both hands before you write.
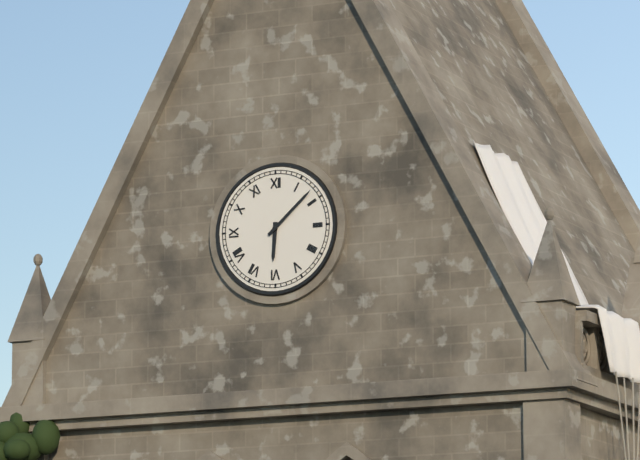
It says 6.08
